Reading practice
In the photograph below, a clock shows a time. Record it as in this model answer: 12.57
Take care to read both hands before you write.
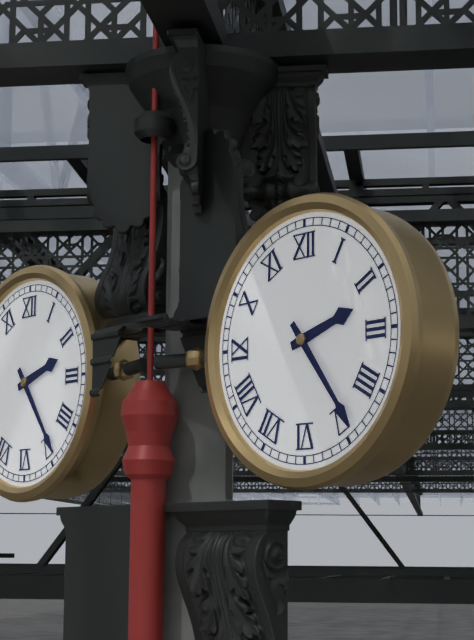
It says 2.24
